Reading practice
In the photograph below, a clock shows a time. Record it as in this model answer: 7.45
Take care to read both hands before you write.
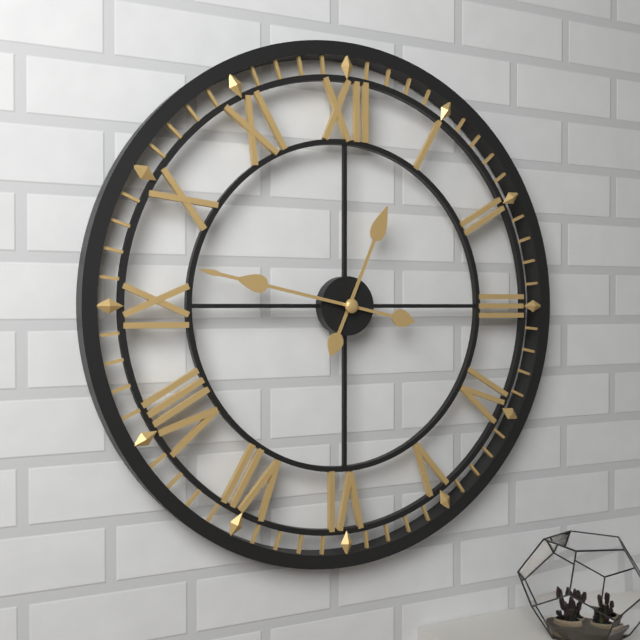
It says 12.47
